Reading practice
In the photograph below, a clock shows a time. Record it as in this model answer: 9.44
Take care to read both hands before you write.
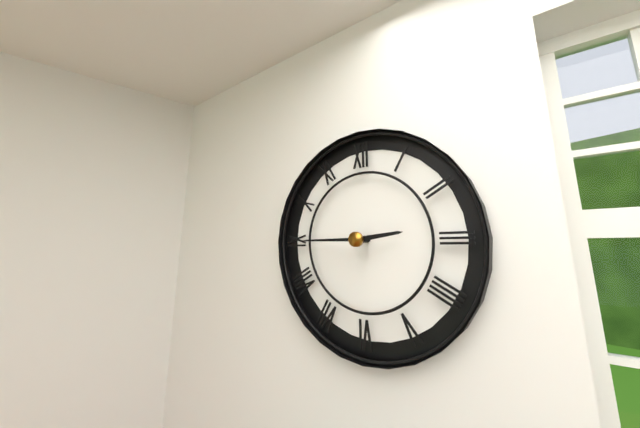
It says 2.45
